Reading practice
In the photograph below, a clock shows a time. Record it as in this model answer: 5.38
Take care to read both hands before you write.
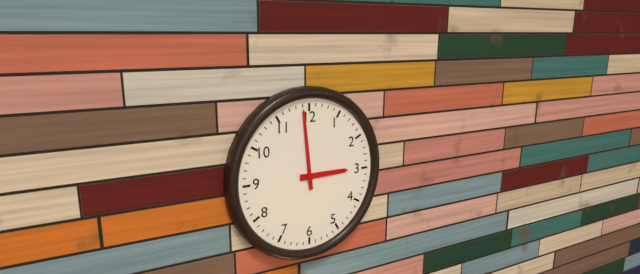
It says 2.59
